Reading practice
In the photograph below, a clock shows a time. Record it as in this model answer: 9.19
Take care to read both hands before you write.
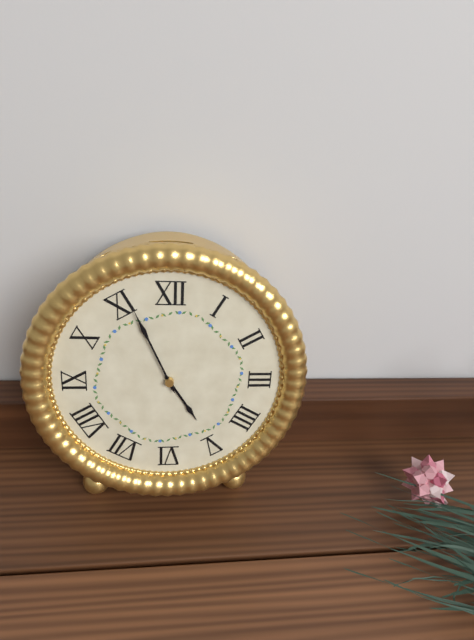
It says 4.56
